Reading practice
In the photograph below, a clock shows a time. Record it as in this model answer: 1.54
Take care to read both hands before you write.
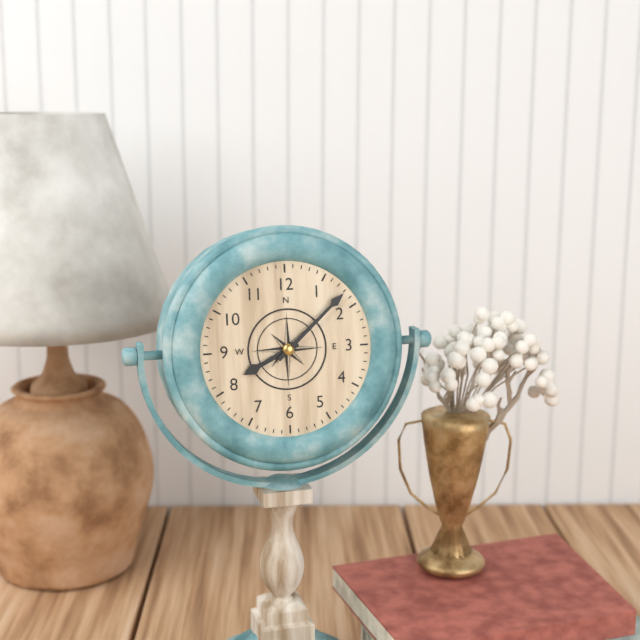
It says 8.08
